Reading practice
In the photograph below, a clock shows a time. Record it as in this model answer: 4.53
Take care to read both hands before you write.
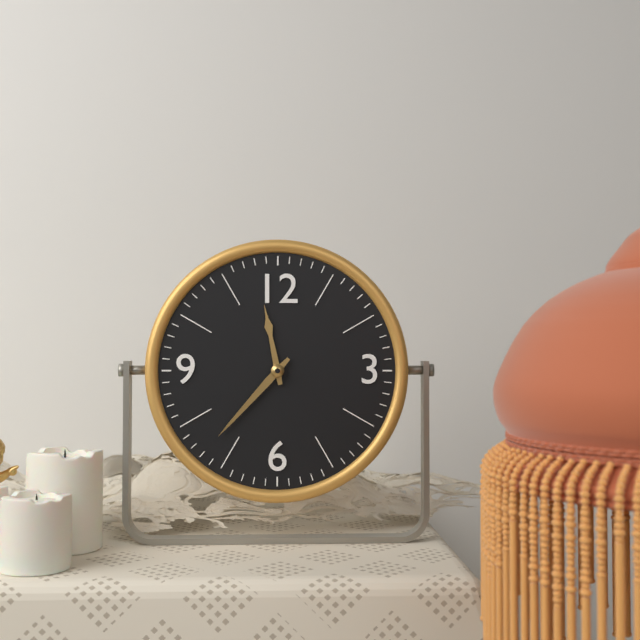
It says 11.37
